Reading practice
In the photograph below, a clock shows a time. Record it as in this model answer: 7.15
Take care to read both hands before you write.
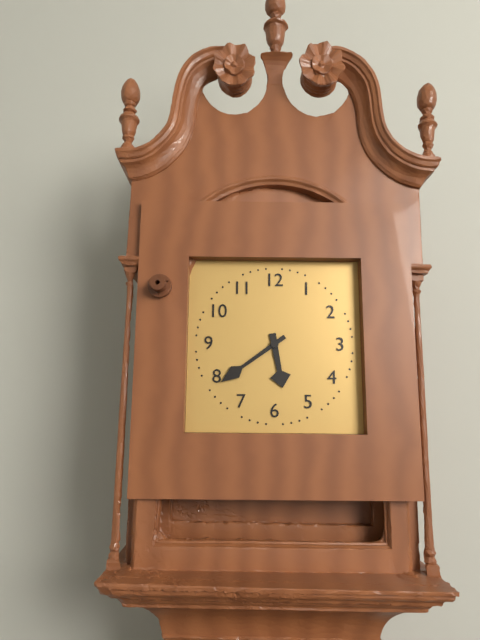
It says 5.39
